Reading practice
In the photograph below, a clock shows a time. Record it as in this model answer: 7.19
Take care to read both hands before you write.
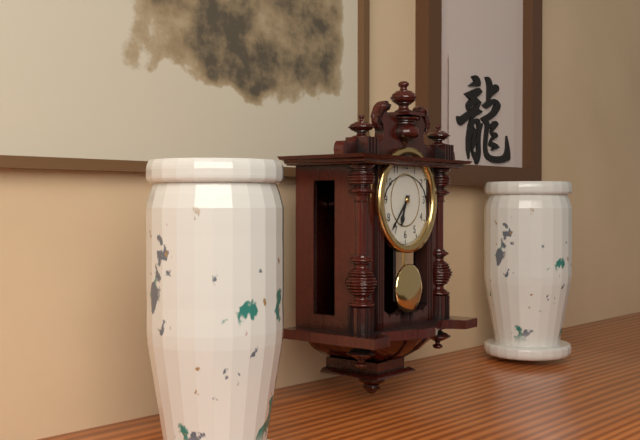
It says 6.37
